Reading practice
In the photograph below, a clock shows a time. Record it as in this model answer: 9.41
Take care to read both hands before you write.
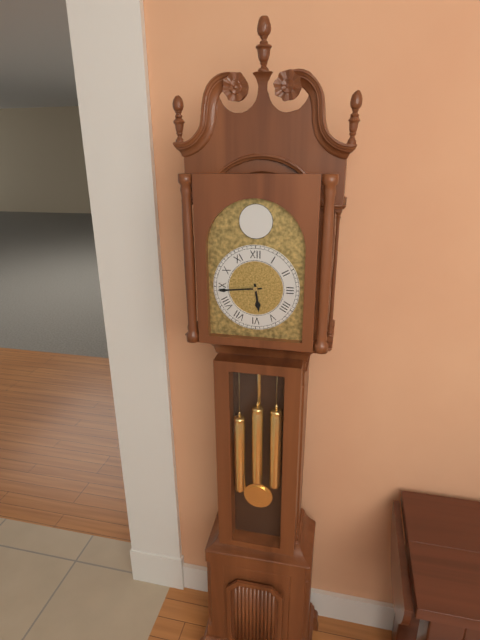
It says 5.44
